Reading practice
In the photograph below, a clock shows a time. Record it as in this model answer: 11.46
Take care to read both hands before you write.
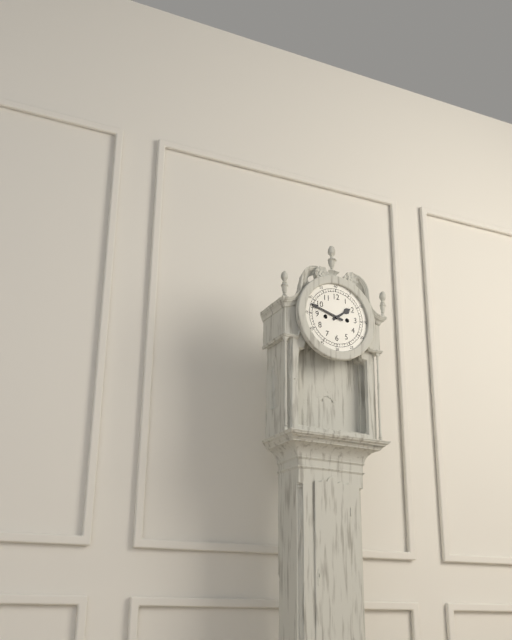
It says 1.48
